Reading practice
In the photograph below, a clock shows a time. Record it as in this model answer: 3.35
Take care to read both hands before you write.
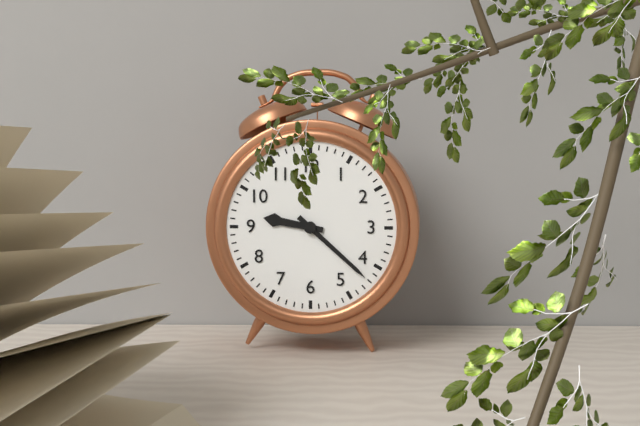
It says 9.22
